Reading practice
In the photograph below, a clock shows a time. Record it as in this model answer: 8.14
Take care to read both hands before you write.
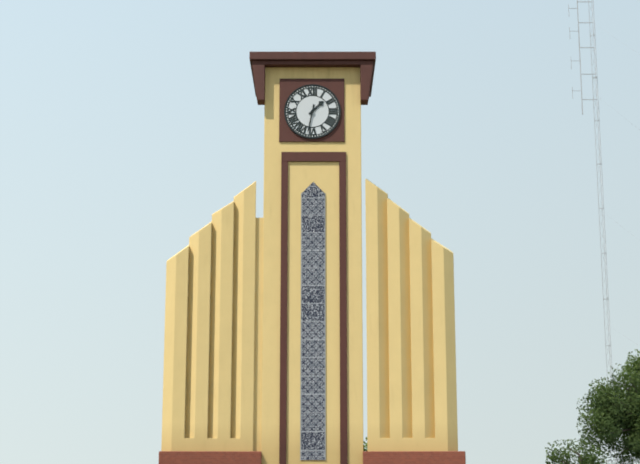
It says 1.32
